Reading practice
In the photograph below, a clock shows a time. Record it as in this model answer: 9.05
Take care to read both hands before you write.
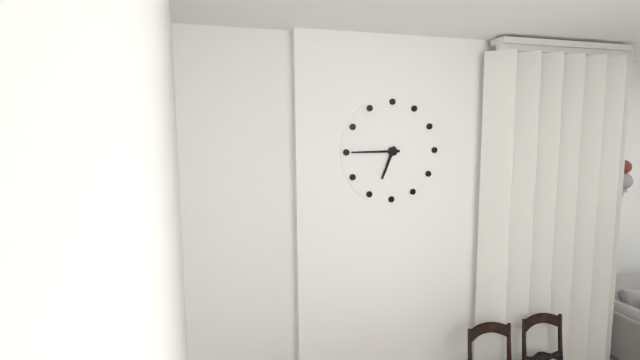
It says 6.45
